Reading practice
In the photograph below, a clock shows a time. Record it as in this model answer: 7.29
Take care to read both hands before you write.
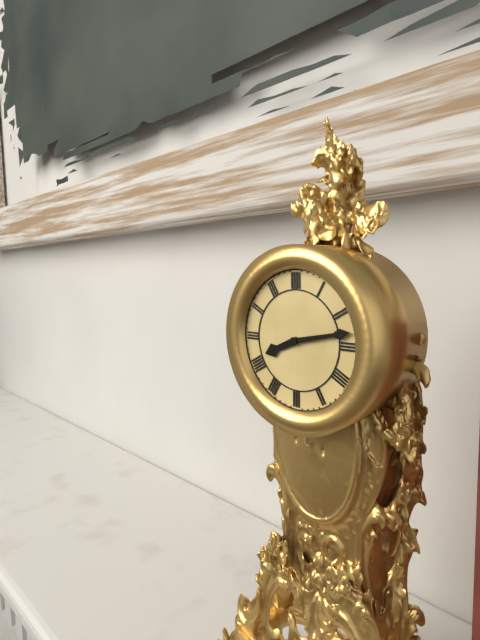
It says 8.13
